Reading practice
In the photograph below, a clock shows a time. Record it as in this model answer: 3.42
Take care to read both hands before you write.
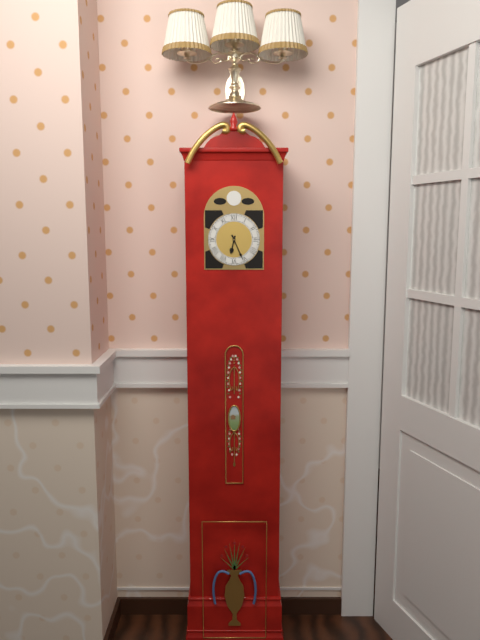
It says 6.26
